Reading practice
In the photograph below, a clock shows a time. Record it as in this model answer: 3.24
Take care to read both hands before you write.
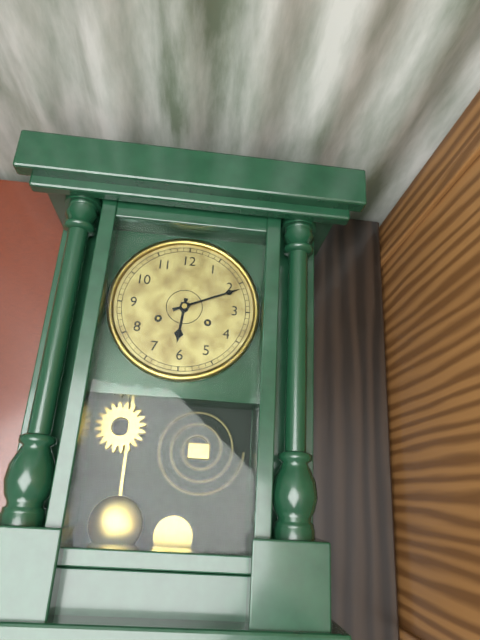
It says 6.11
